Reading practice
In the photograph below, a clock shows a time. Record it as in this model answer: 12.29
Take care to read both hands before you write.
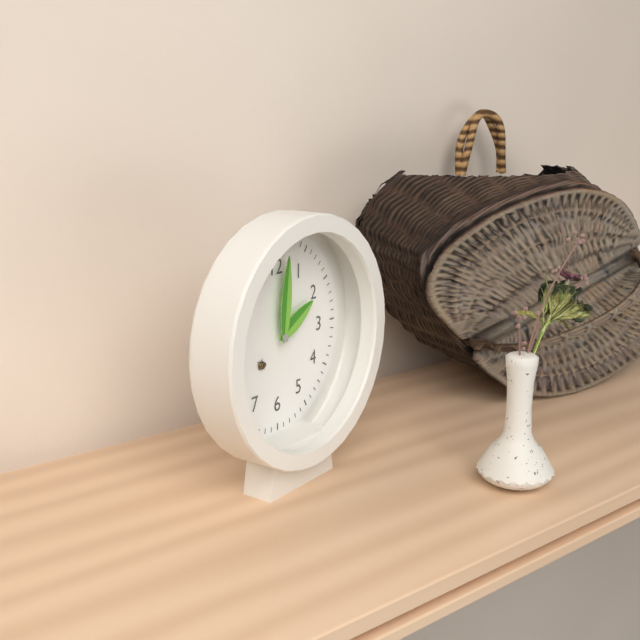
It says 2.01
